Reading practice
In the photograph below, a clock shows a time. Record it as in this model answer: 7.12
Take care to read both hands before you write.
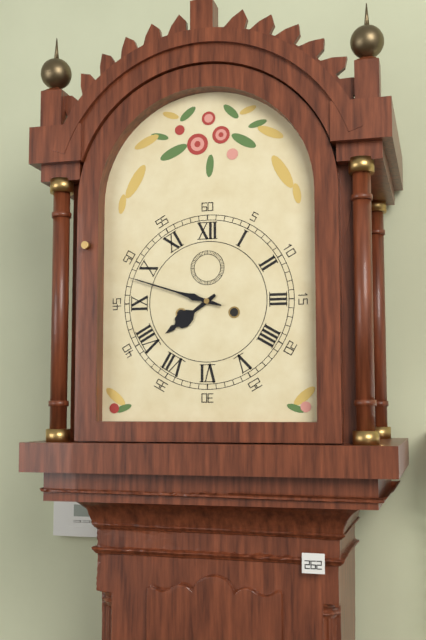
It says 7.48
